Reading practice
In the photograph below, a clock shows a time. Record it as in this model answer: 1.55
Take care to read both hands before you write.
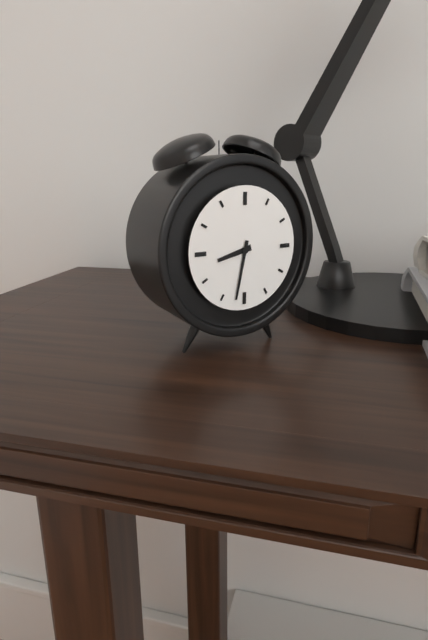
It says 8.32
